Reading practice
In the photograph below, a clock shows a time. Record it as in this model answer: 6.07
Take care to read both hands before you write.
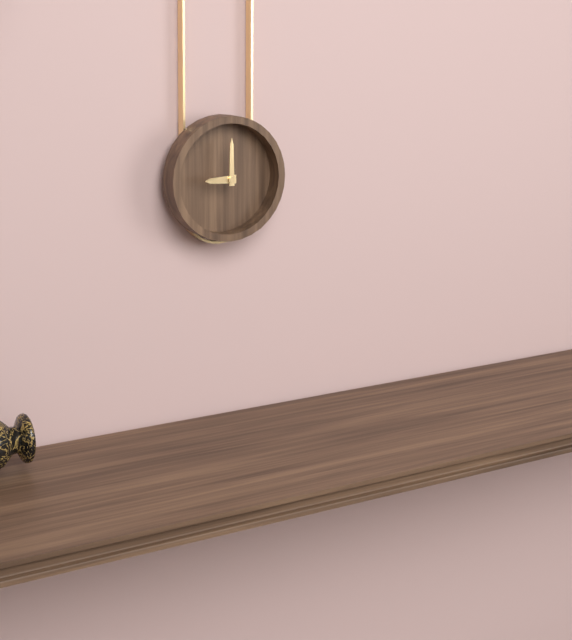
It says 9.00
